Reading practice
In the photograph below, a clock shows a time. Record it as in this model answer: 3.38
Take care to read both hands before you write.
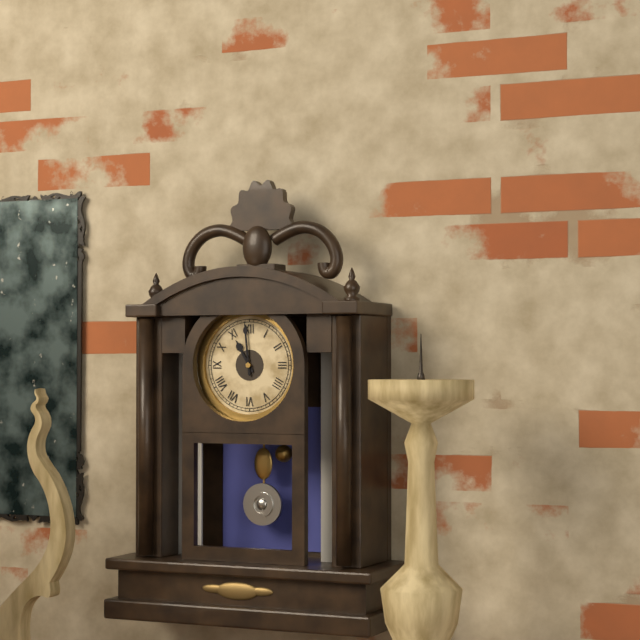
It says 10.59
